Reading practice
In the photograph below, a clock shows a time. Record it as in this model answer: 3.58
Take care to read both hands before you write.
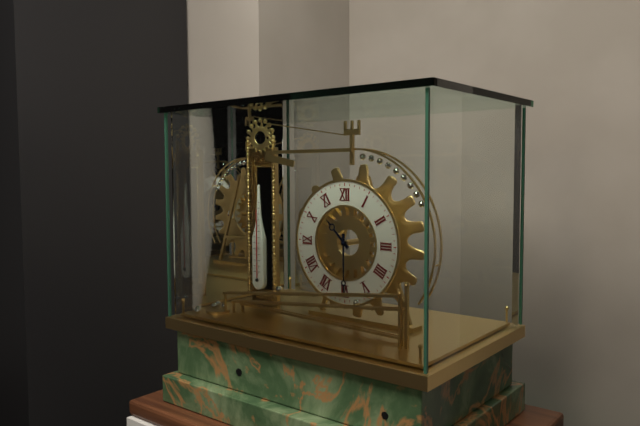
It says 10.30
